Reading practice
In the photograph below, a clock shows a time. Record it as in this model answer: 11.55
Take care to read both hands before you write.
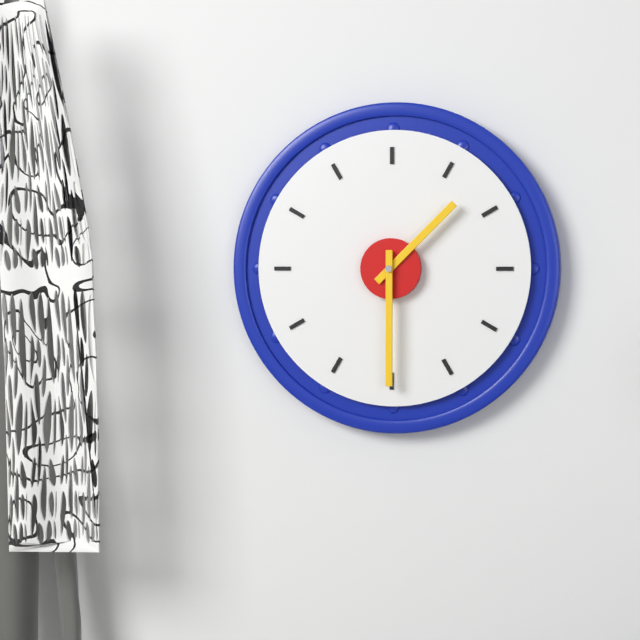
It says 1.30
